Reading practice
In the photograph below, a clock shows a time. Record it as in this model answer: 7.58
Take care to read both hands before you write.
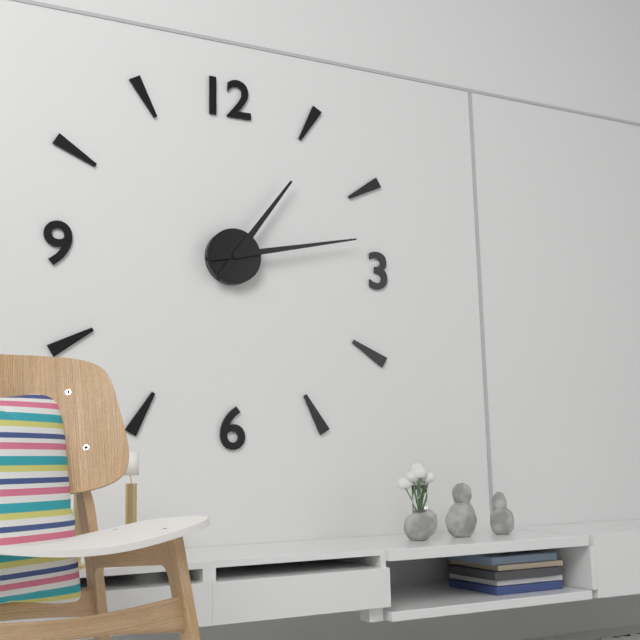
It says 1.13
